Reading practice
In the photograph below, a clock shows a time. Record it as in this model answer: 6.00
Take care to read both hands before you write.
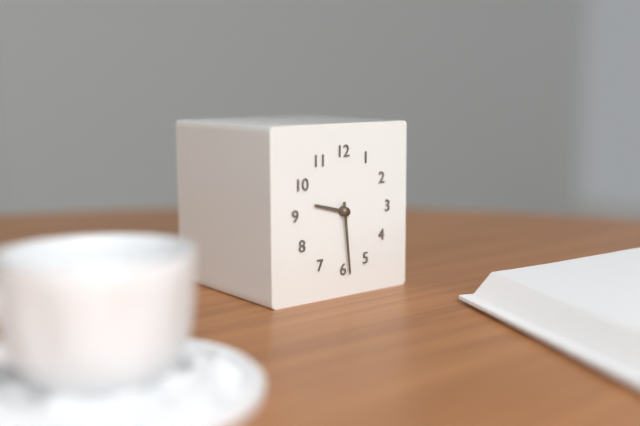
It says 9.29
